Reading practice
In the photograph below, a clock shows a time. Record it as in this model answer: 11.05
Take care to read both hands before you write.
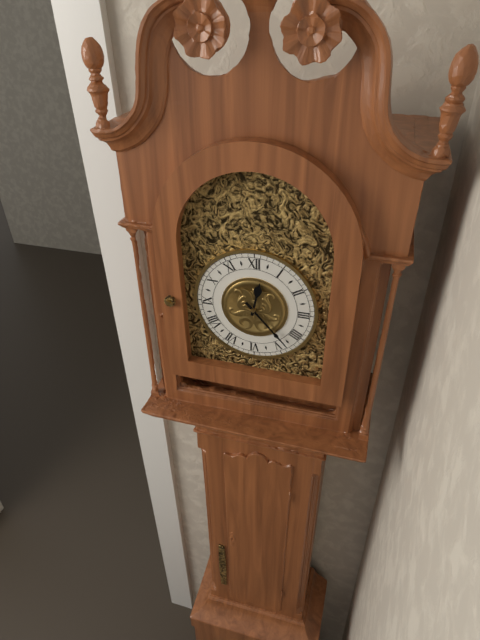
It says 12.23
